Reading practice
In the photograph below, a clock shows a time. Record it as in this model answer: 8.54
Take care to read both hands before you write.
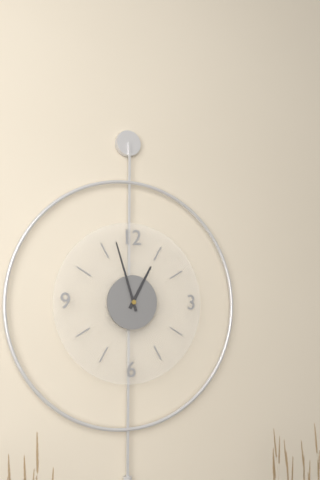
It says 12.57
